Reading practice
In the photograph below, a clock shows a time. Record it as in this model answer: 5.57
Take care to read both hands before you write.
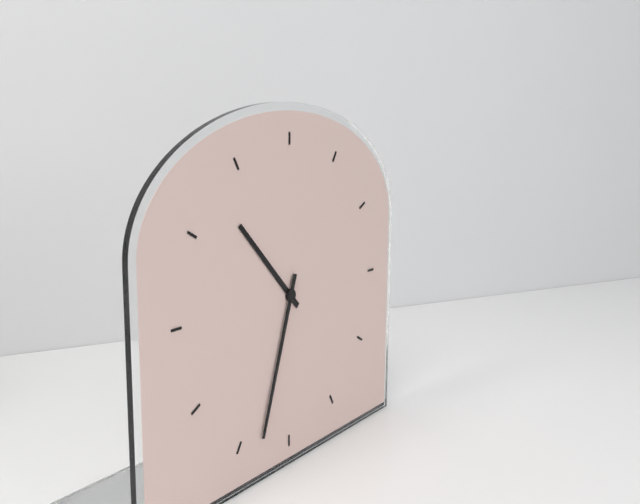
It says 10.33
